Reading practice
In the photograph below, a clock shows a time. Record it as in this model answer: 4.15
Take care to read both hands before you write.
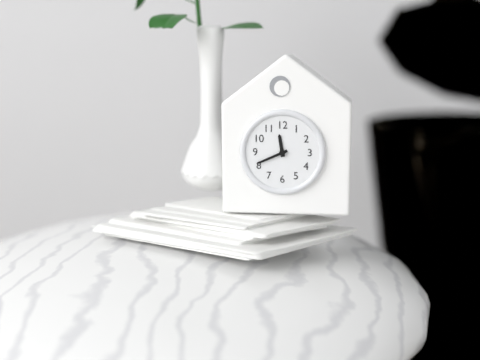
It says 11.41
